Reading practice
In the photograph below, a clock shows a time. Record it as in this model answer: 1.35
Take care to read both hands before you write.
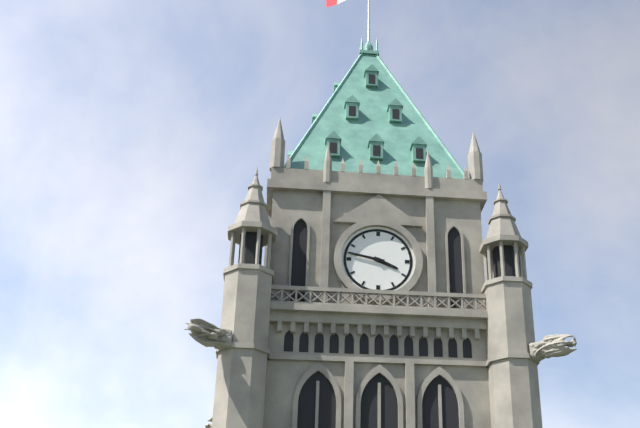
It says 3.47
